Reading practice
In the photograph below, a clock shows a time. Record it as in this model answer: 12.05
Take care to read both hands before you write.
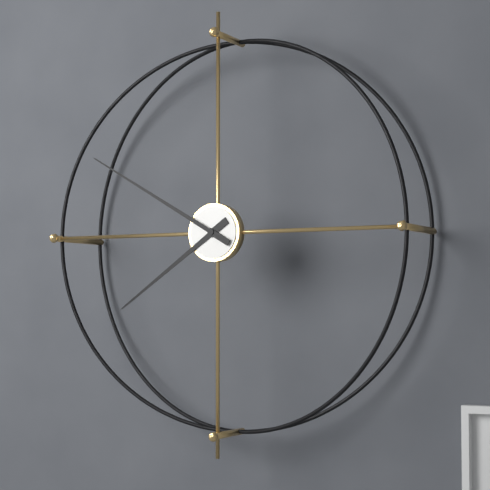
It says 7.50
